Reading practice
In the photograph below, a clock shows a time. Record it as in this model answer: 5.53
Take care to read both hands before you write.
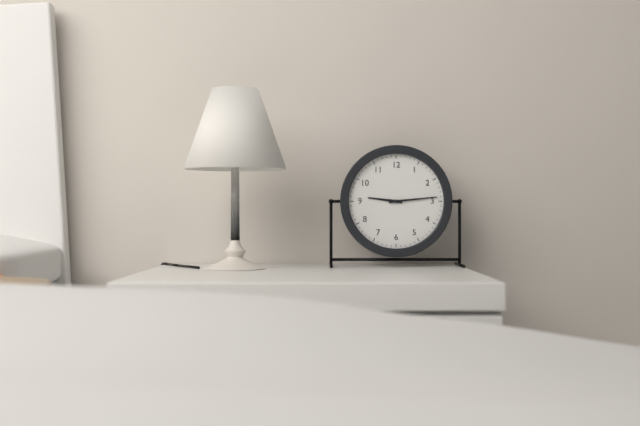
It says 9.14
